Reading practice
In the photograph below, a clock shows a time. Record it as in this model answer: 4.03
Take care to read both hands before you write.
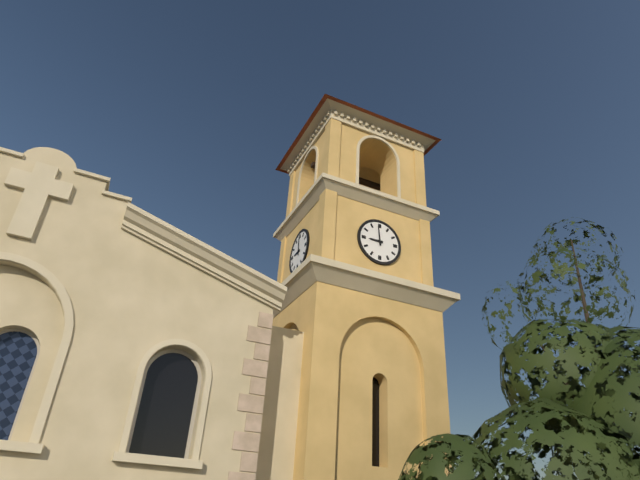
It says 8.59
